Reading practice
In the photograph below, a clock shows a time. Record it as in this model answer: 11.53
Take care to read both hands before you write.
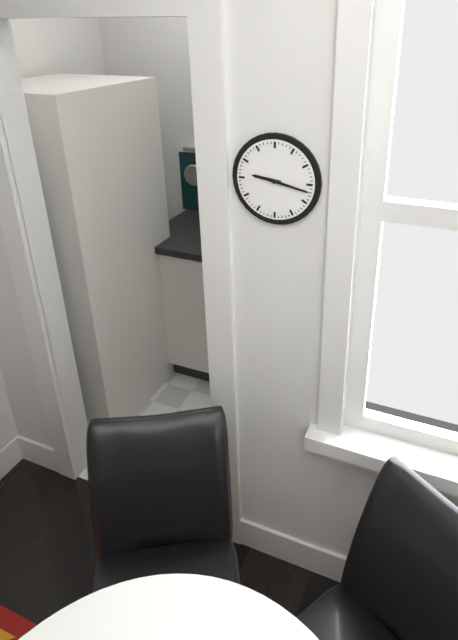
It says 9.17
